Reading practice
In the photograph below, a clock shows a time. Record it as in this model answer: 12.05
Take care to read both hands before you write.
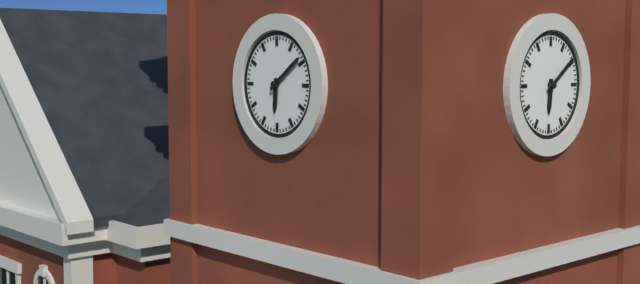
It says 6.09
